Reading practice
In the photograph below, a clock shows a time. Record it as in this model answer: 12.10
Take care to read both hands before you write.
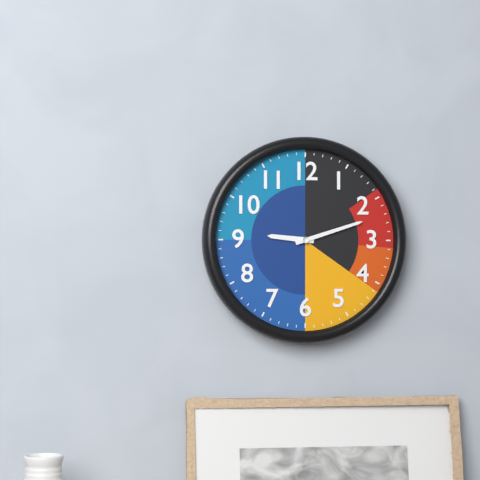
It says 9.12
